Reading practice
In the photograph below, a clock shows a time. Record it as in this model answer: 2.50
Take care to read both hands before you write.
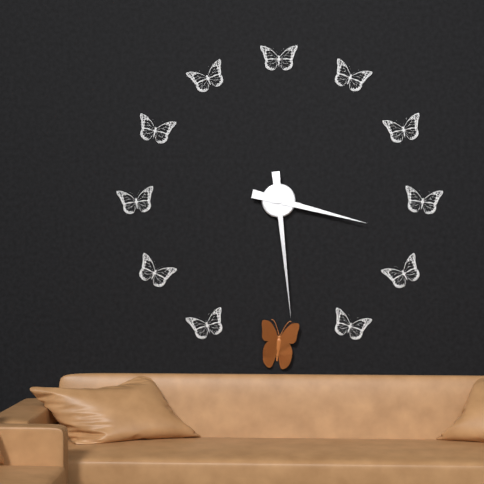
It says 3.29
